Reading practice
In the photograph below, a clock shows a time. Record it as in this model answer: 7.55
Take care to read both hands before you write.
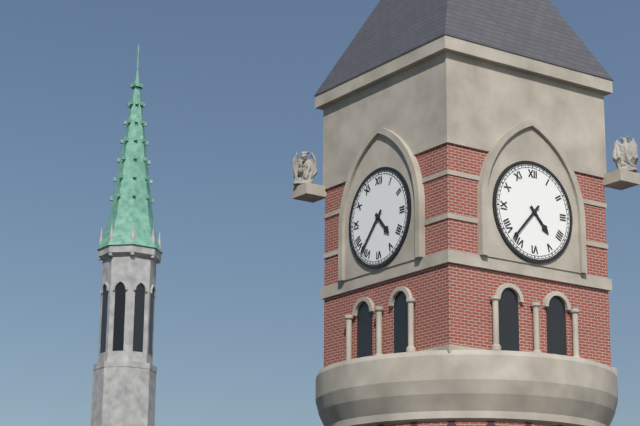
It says 4.37
